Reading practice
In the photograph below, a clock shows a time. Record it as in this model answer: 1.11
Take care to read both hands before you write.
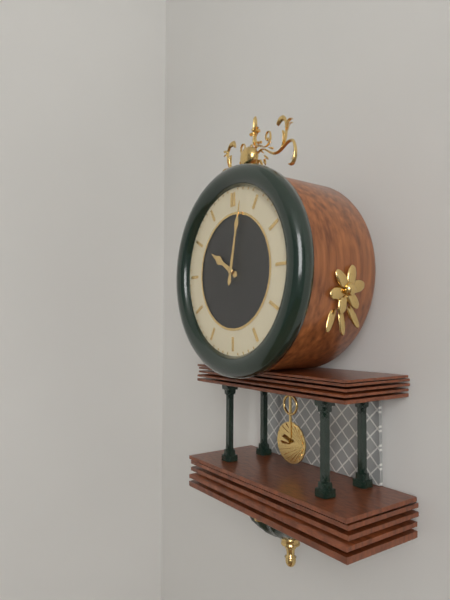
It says 10.02
